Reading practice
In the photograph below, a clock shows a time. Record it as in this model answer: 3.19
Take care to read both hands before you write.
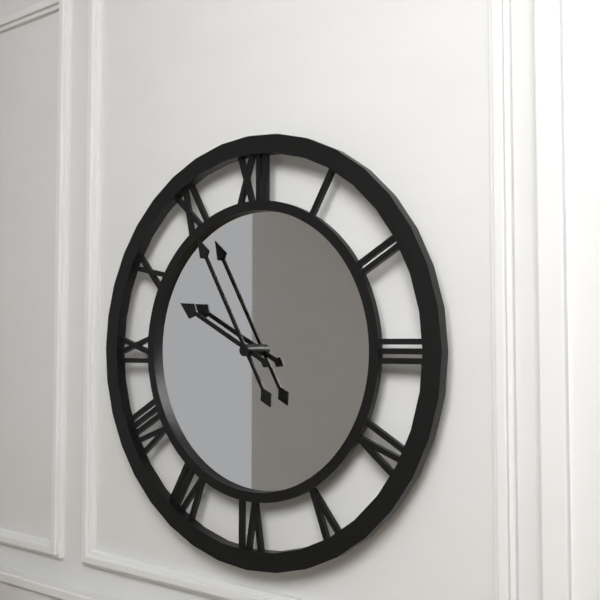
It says 9.55
